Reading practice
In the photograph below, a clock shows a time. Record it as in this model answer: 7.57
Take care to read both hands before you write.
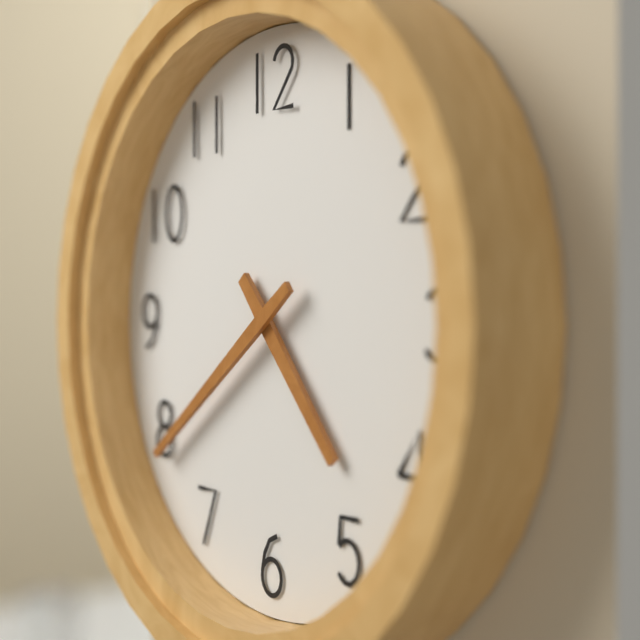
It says 4.39
